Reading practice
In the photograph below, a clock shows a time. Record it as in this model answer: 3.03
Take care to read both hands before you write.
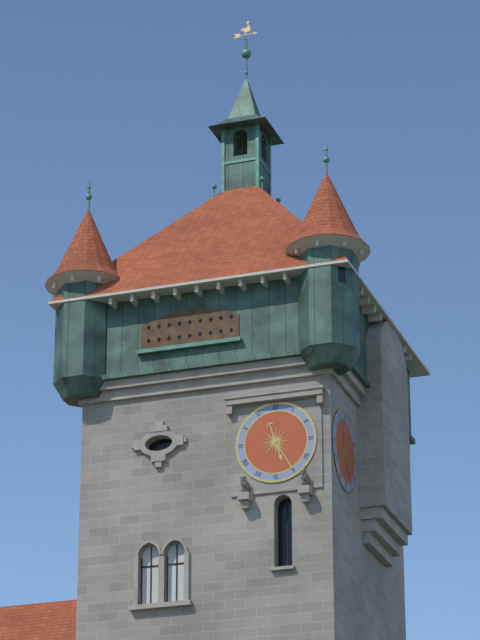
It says 5.25
